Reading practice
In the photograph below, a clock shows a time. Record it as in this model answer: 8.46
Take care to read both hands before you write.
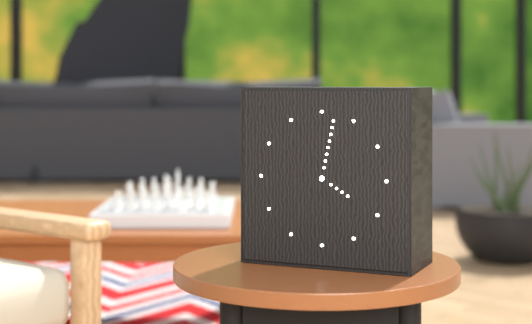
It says 4.02
